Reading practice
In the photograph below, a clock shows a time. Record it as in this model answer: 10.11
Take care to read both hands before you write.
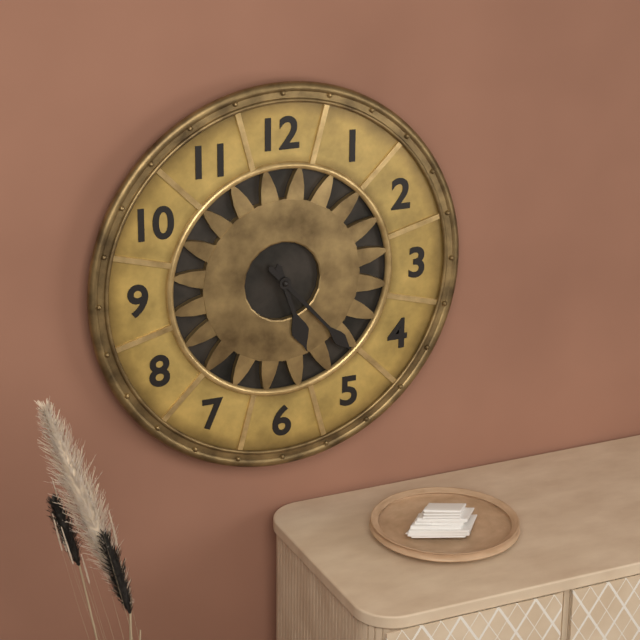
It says 5.23
